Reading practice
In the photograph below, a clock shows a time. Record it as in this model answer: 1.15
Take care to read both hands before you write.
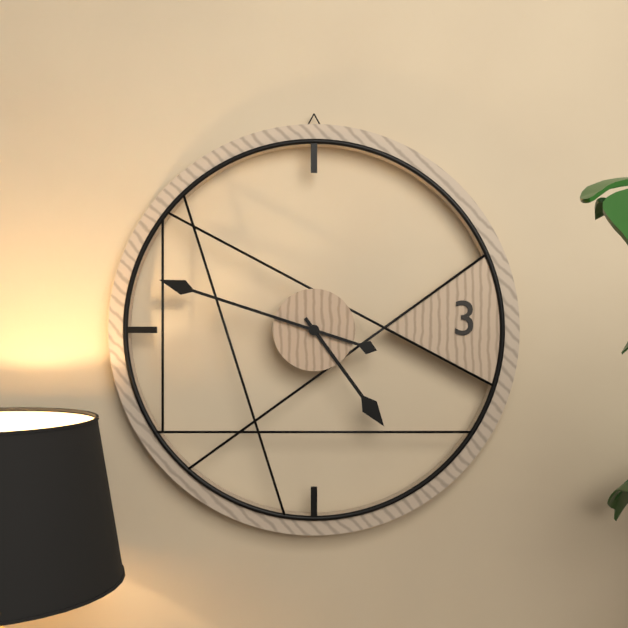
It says 4.48
